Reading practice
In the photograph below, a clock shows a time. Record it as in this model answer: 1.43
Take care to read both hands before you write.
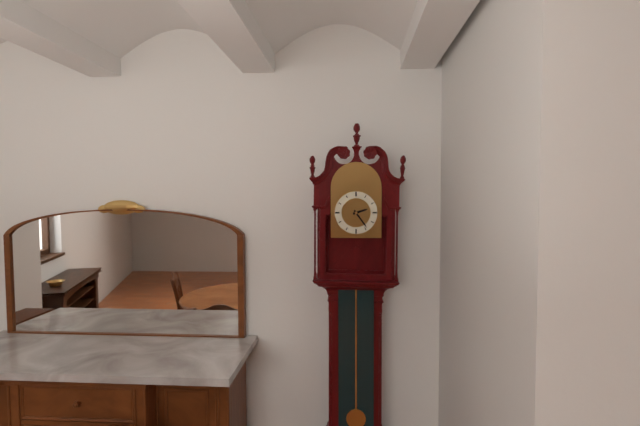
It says 2.24
